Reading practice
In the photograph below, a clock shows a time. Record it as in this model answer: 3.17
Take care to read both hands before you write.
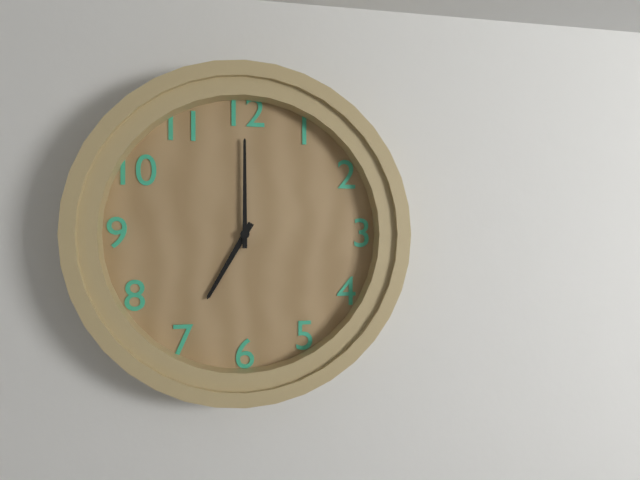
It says 7.00
